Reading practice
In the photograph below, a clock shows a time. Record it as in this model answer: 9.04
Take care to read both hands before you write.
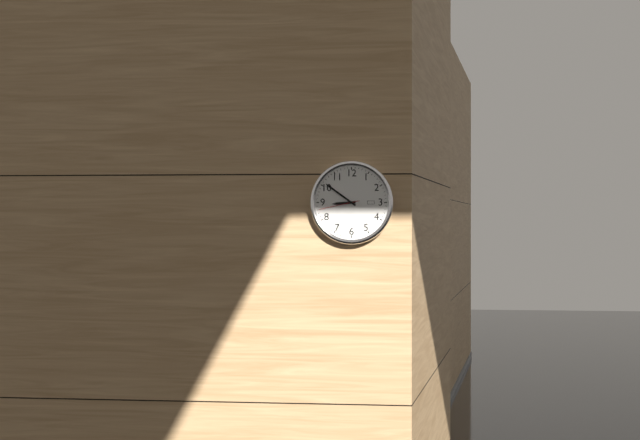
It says 8.51
